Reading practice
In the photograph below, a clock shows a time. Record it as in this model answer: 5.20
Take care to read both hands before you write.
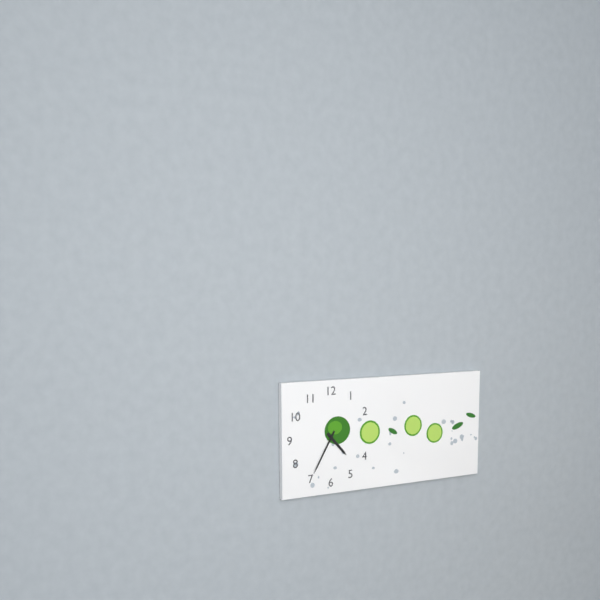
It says 4.35
